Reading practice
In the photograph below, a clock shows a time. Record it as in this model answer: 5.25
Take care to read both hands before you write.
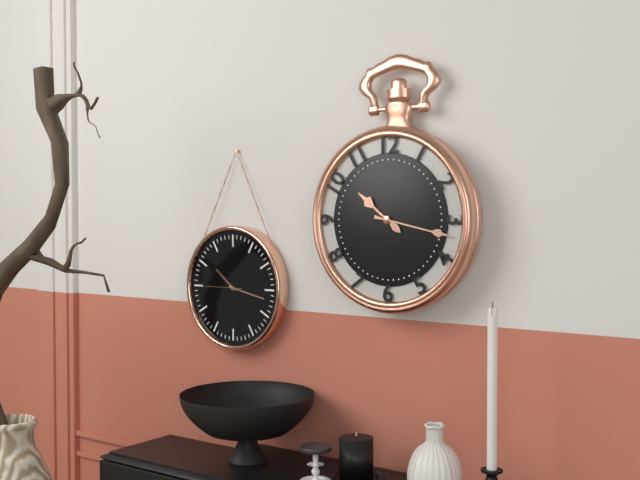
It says 10.17
